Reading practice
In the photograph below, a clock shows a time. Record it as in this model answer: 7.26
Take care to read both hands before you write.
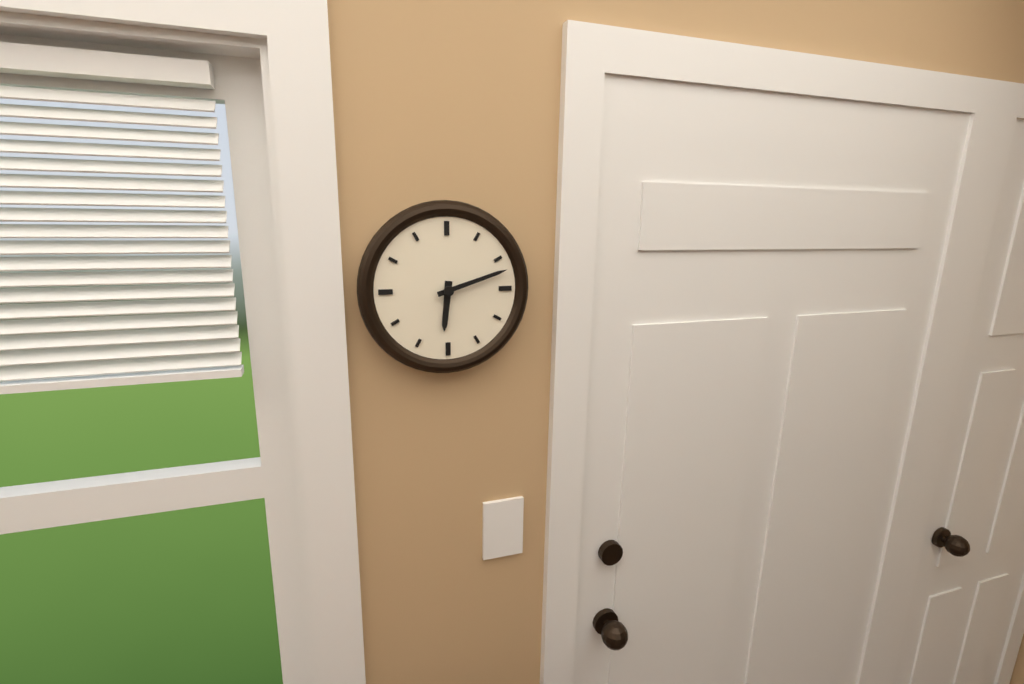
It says 6.12
